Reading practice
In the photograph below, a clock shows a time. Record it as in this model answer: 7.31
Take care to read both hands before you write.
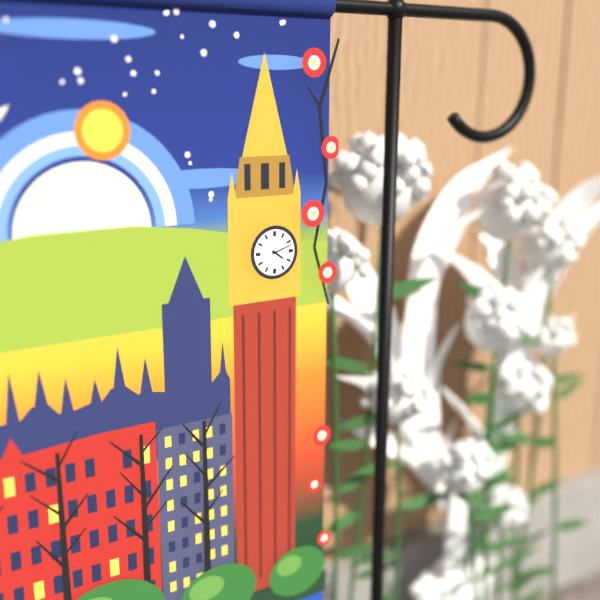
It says 4.12
